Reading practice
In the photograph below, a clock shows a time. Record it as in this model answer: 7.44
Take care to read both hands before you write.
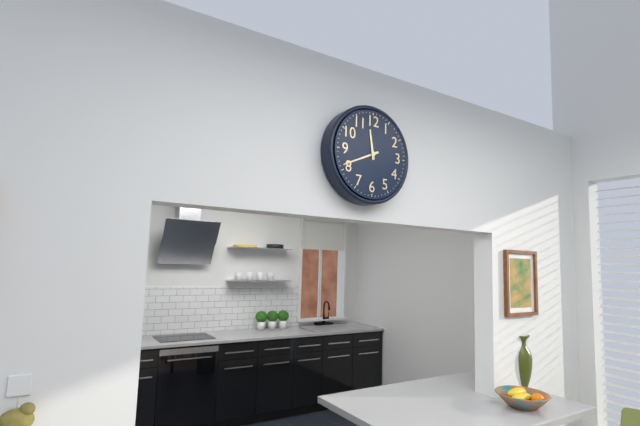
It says 11.41
